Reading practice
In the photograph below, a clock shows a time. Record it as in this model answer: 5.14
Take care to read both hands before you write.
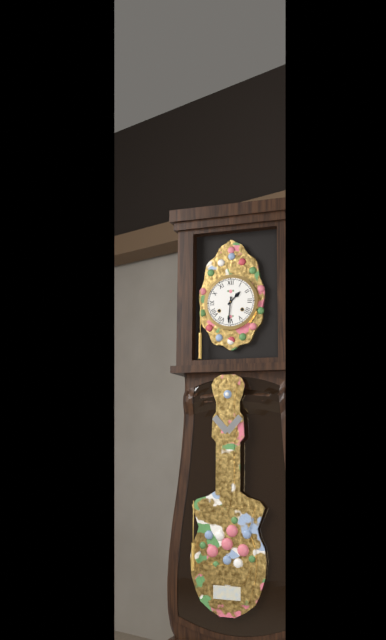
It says 1.31
